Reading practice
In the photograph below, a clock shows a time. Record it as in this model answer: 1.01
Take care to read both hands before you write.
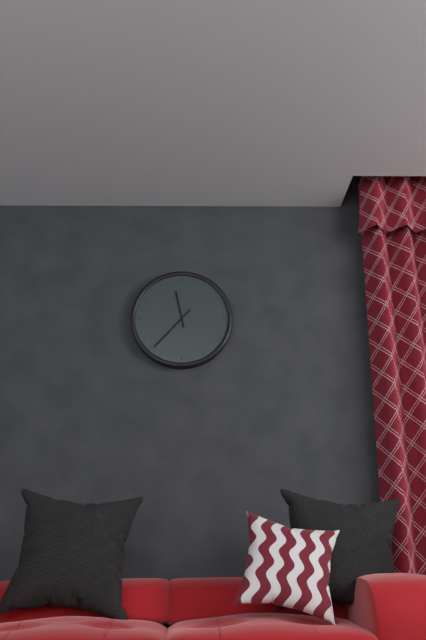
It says 11.37
